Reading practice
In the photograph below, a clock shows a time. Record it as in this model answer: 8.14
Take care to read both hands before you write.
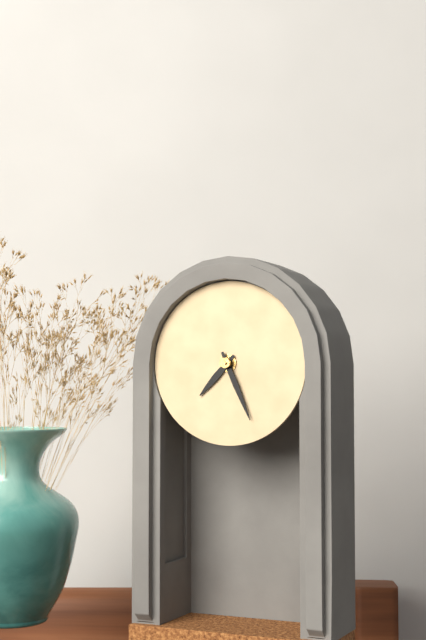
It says 7.26
